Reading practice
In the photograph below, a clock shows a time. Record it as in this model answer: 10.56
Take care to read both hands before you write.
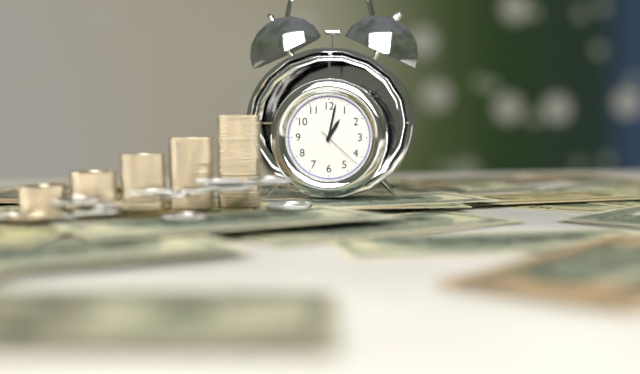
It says 1.02
